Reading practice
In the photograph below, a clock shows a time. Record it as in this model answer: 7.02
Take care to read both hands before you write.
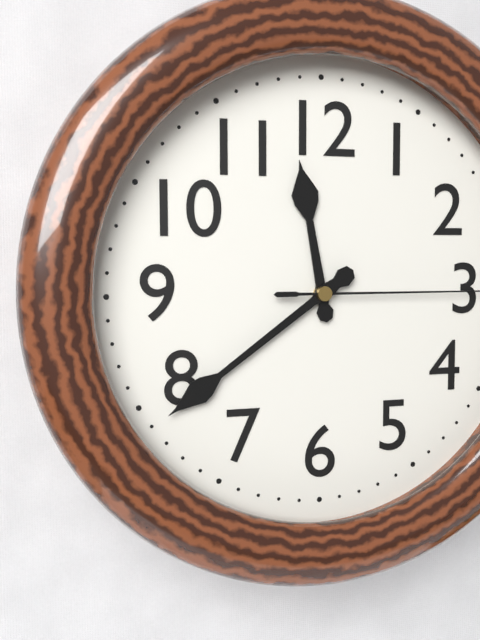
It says 11.39
